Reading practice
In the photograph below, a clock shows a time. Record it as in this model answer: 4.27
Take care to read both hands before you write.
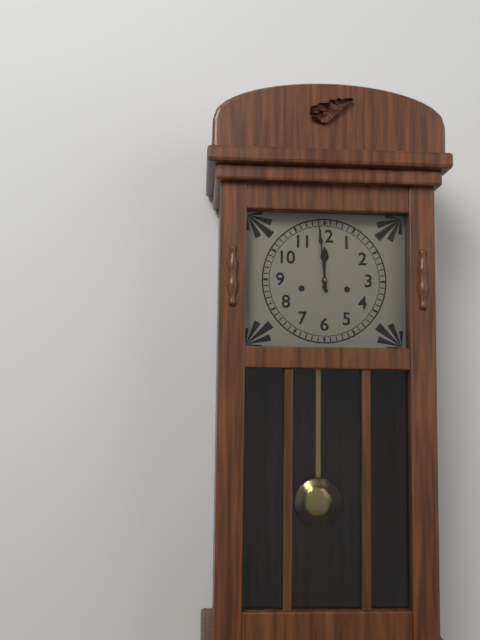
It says 11.59
